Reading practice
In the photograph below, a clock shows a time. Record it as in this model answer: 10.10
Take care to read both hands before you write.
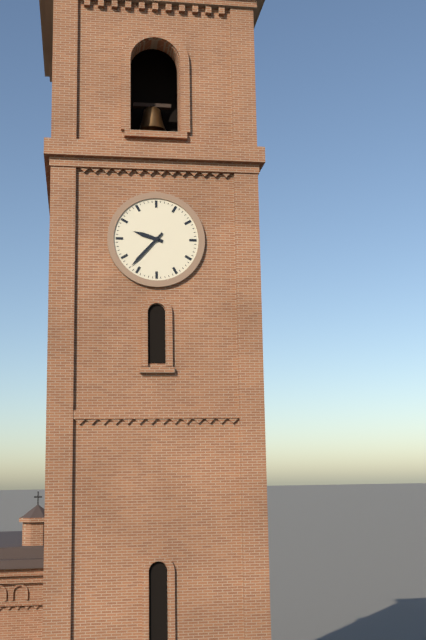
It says 9.37
